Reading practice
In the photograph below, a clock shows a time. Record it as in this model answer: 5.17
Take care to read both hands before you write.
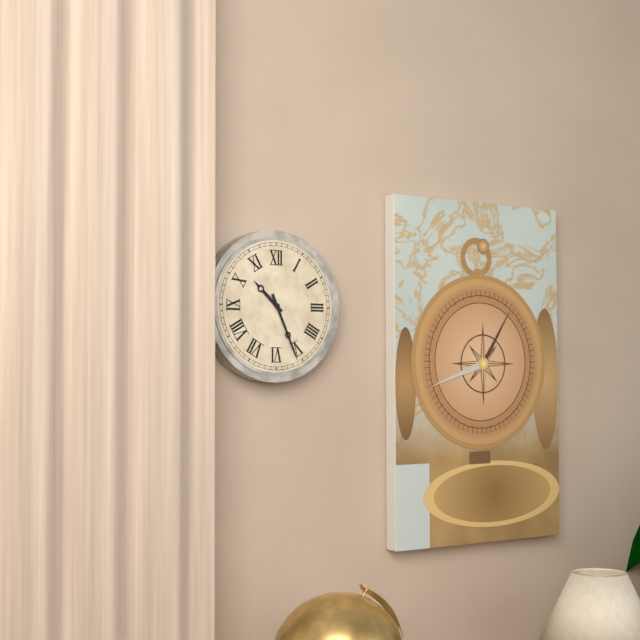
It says 10.26
